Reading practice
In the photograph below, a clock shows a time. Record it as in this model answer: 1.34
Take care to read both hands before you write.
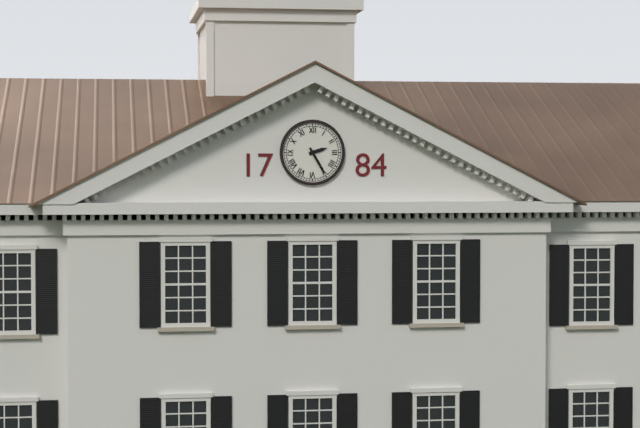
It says 2.25
